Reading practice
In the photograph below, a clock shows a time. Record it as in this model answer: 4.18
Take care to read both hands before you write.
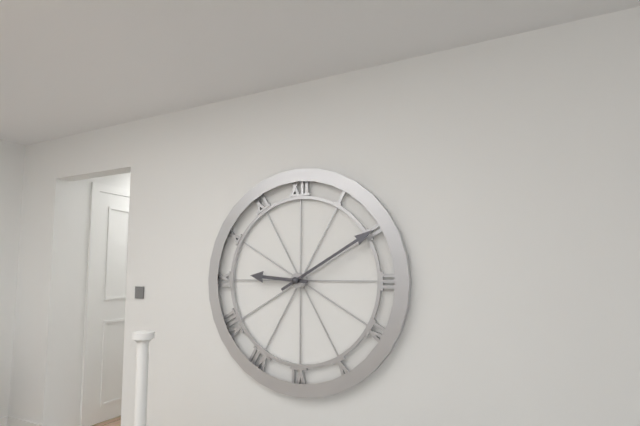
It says 9.10
